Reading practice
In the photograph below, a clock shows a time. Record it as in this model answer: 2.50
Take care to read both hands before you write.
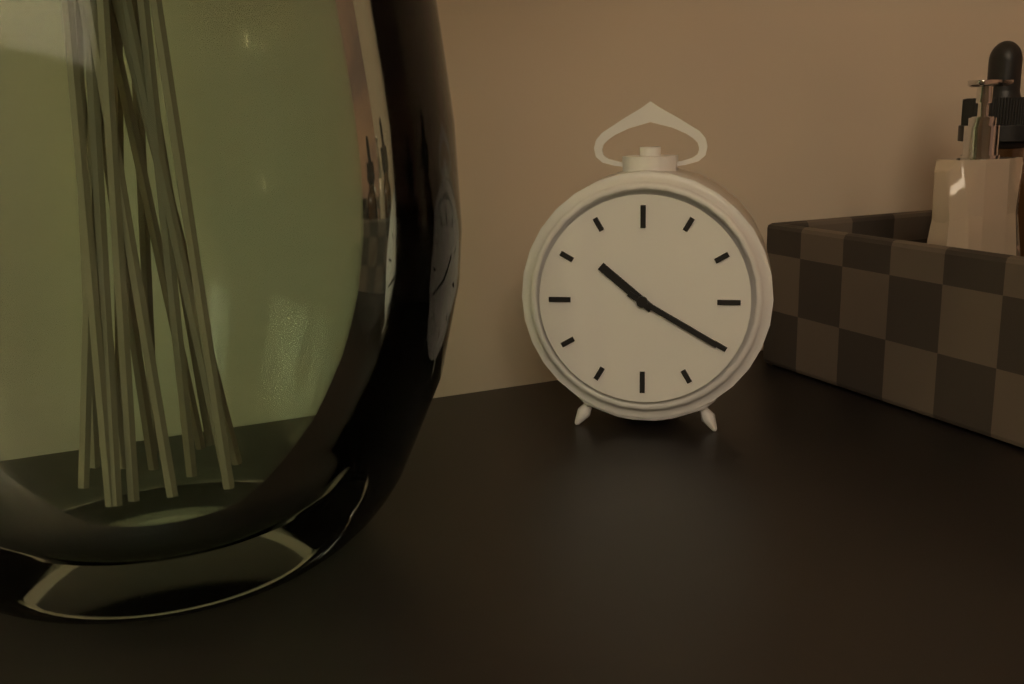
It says 10.20
